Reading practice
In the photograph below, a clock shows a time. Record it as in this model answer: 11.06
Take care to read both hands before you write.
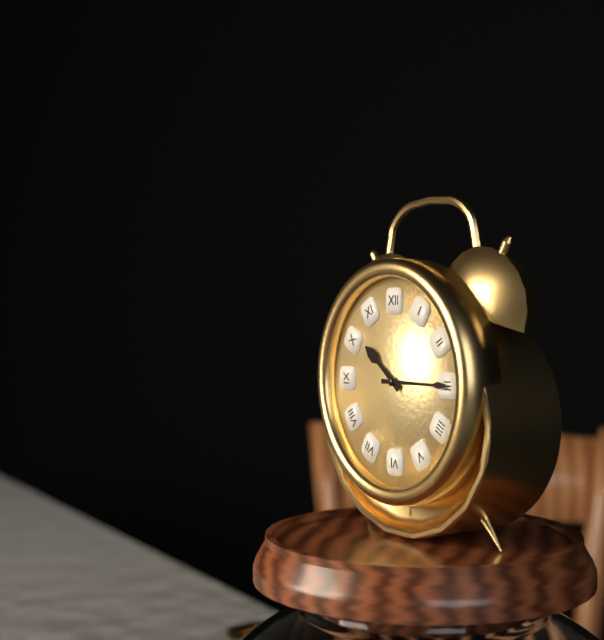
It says 10.15
